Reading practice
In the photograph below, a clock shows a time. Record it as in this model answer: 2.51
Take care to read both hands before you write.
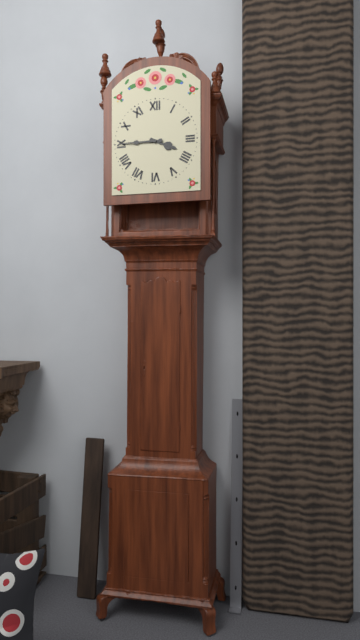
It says 3.45
